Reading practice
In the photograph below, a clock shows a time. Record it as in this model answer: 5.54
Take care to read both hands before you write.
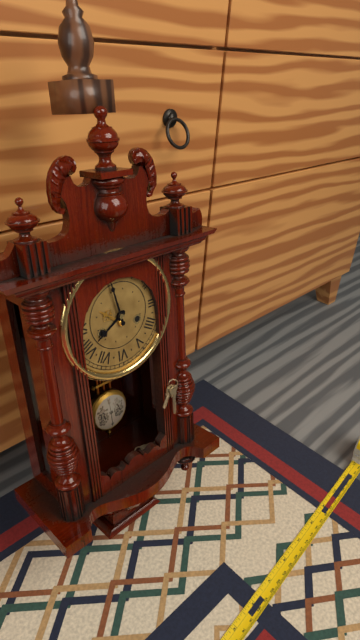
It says 7.58
